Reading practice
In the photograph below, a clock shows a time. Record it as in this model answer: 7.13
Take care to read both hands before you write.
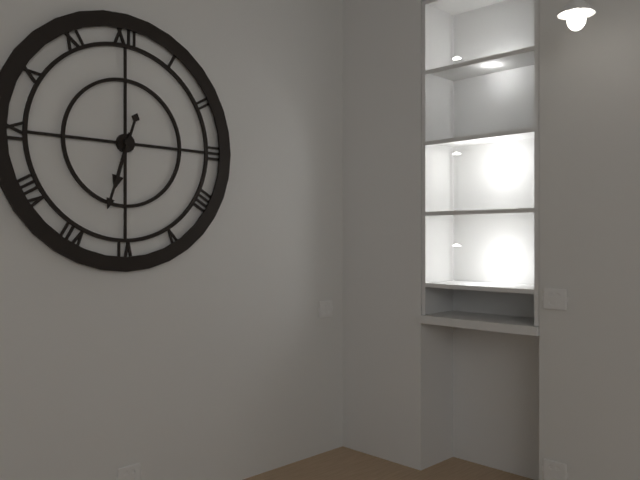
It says 6.33
